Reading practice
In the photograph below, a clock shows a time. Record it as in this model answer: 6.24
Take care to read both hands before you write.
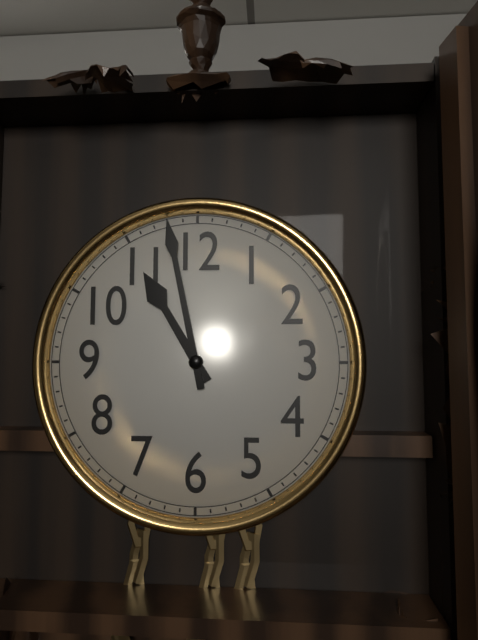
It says 10.58
